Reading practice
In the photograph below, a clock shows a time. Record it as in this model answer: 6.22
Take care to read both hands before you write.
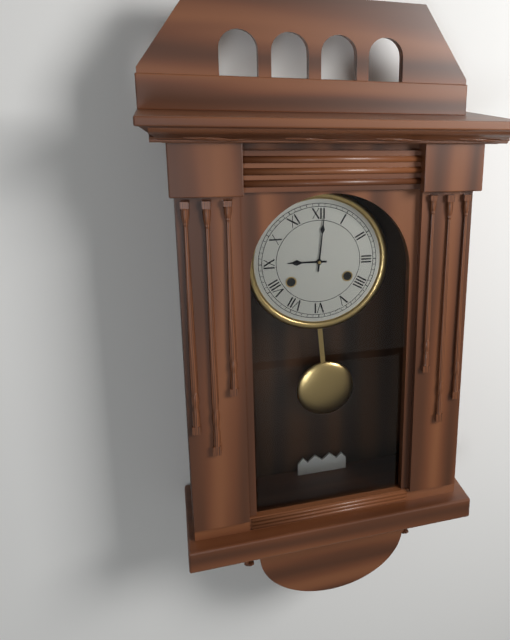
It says 9.01
